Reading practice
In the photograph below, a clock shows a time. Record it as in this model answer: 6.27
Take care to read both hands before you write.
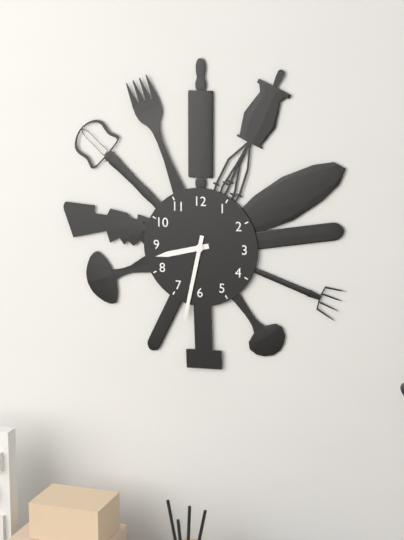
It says 8.32
